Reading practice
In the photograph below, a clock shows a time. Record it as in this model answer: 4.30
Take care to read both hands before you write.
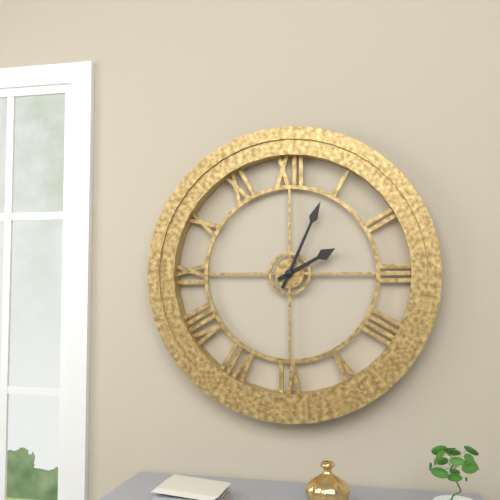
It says 2.04
